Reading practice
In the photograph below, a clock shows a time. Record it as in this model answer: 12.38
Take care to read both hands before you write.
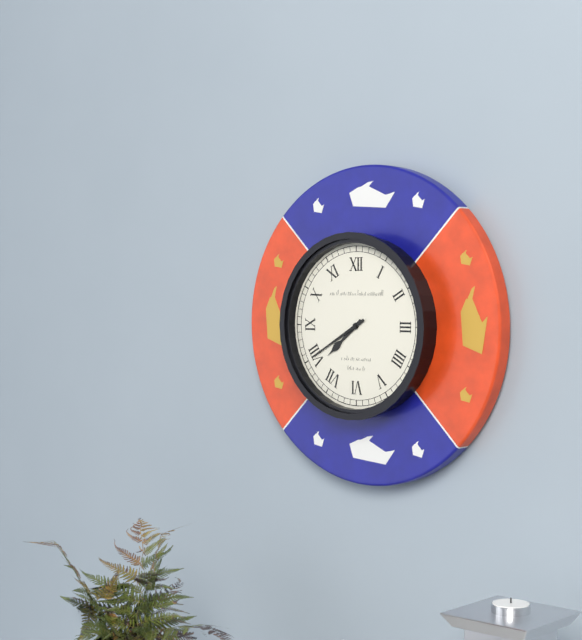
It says 7.40
